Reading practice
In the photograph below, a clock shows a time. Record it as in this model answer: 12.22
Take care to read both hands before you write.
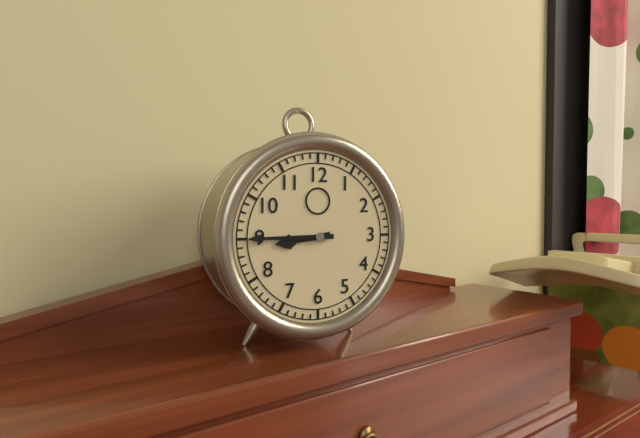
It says 8.45
